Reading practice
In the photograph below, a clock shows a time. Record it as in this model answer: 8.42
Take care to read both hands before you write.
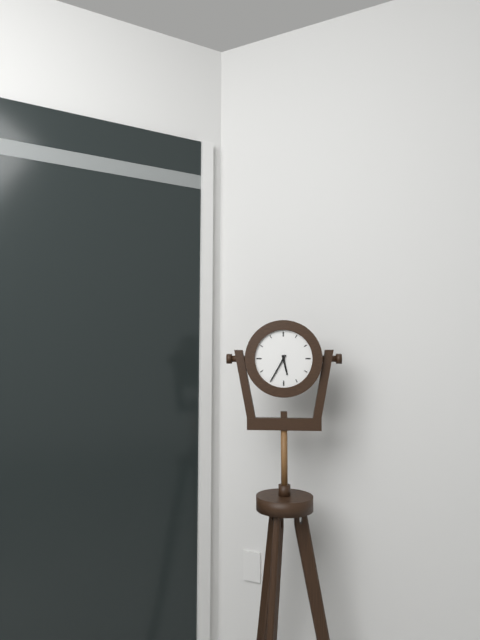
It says 5.35
